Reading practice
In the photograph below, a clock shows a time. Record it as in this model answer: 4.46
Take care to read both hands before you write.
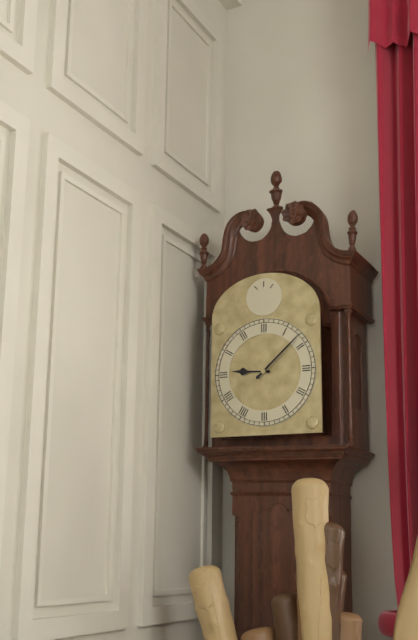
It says 9.08
